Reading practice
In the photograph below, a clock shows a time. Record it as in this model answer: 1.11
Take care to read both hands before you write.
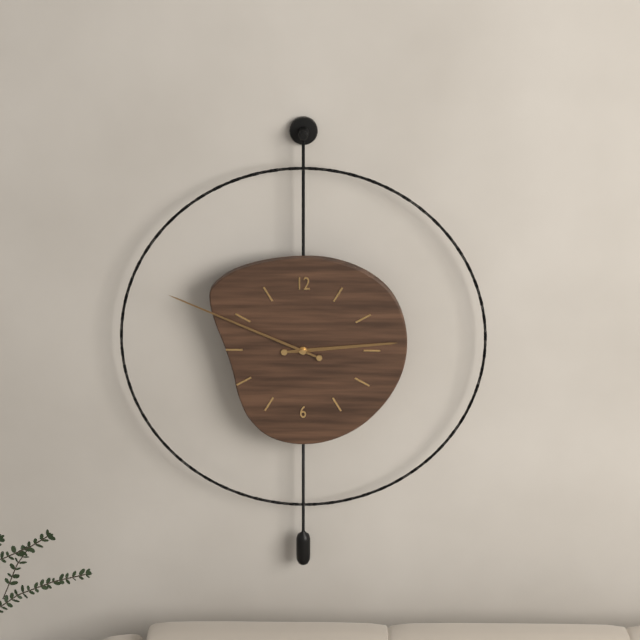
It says 2.49
